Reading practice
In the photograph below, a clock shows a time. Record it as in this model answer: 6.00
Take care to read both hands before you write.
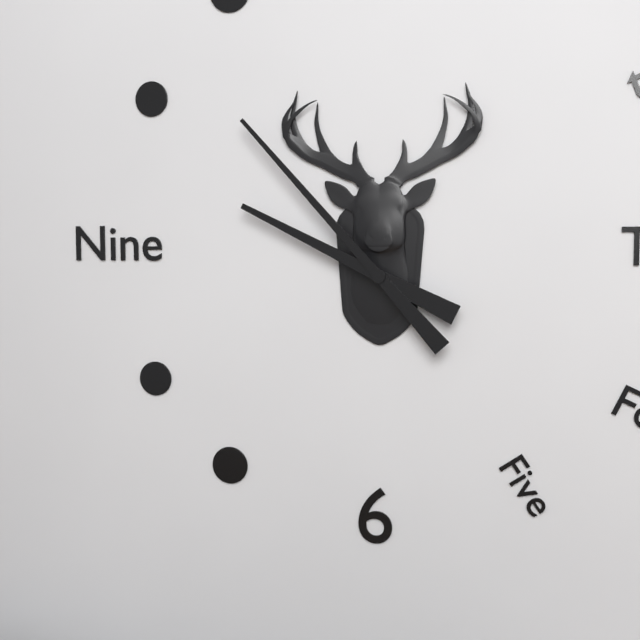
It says 9.53
